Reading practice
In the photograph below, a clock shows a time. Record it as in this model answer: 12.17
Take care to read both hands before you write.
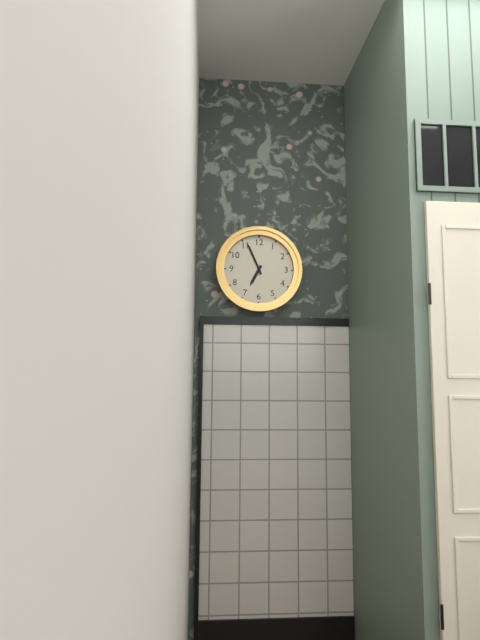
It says 6.56
